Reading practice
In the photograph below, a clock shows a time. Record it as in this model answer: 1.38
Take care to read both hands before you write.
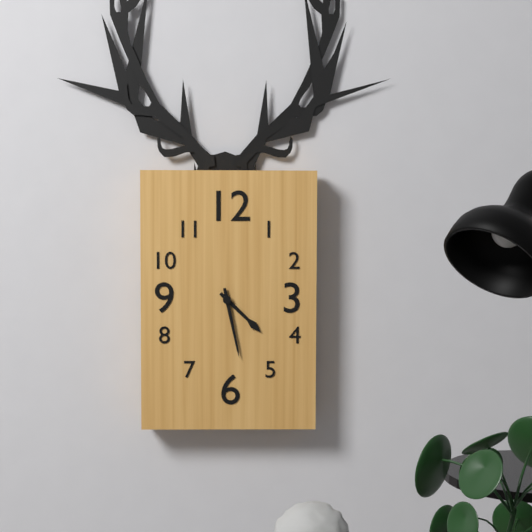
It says 4.28
